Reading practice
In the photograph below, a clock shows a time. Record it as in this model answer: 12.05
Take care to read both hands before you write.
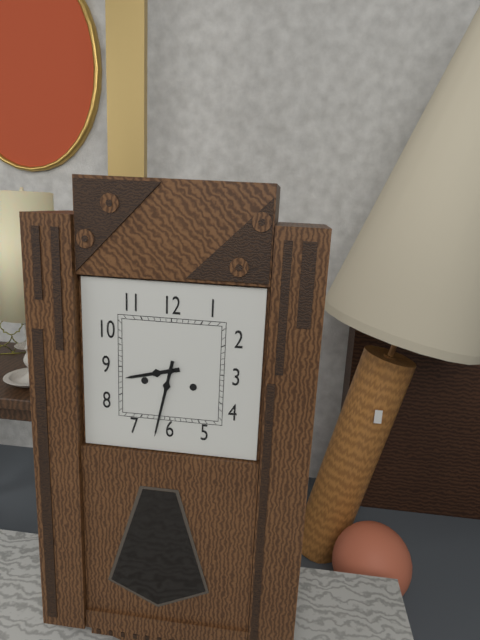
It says 8.32
